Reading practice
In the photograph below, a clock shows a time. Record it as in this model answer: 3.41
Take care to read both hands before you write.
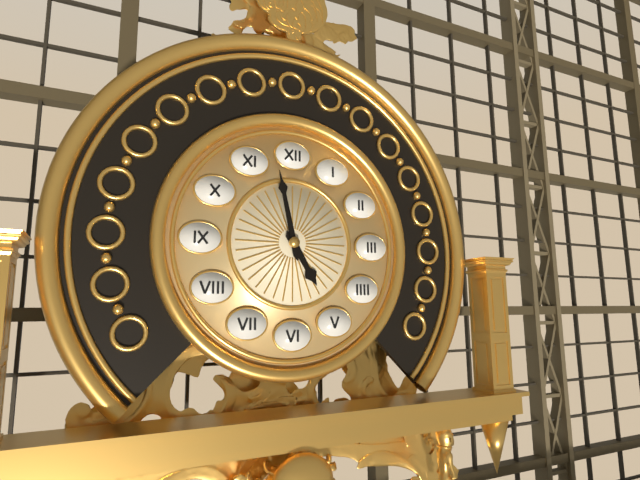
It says 4.58
